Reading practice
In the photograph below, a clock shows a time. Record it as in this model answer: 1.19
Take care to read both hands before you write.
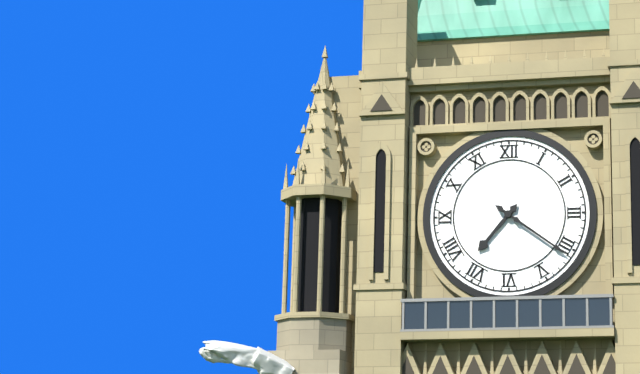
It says 7.21
